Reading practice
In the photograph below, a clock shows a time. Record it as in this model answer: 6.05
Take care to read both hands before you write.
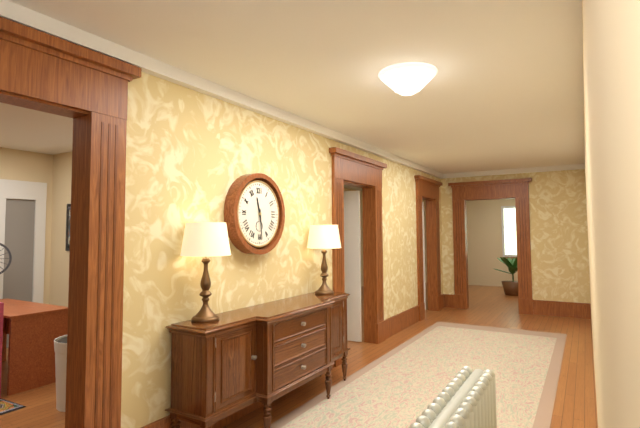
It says 11.29
